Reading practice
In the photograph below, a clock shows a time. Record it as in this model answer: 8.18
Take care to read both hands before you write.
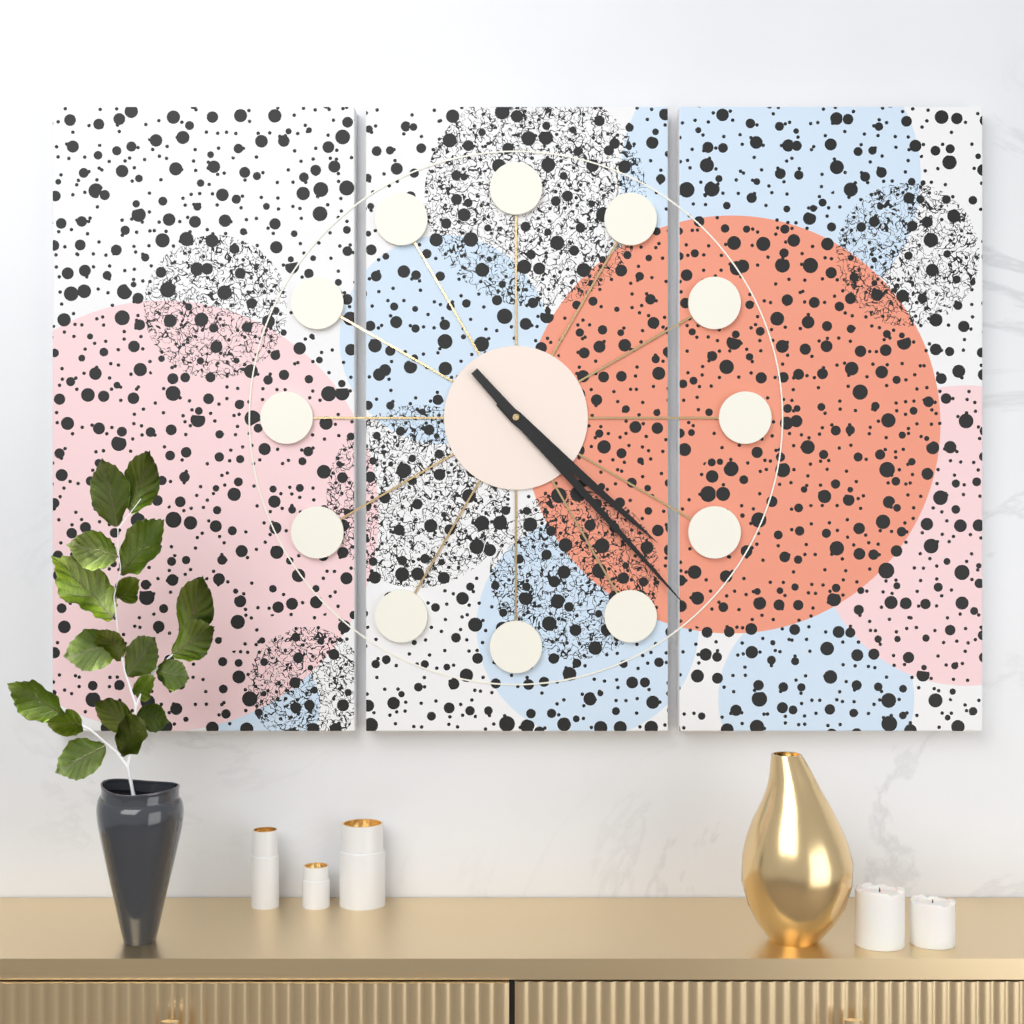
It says 4.23
